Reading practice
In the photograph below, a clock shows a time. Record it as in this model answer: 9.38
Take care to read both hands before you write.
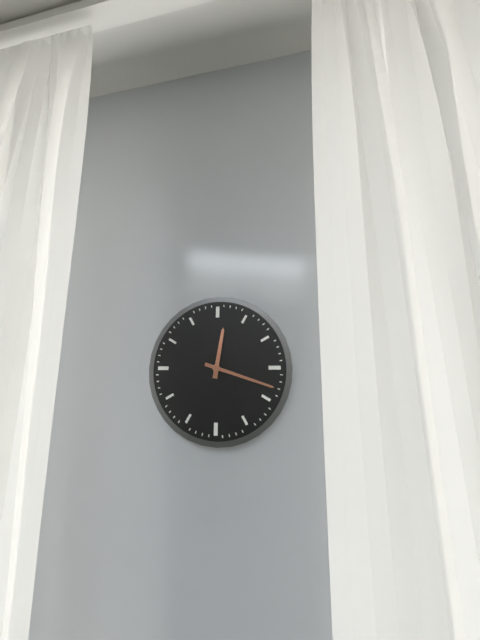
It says 12.18
